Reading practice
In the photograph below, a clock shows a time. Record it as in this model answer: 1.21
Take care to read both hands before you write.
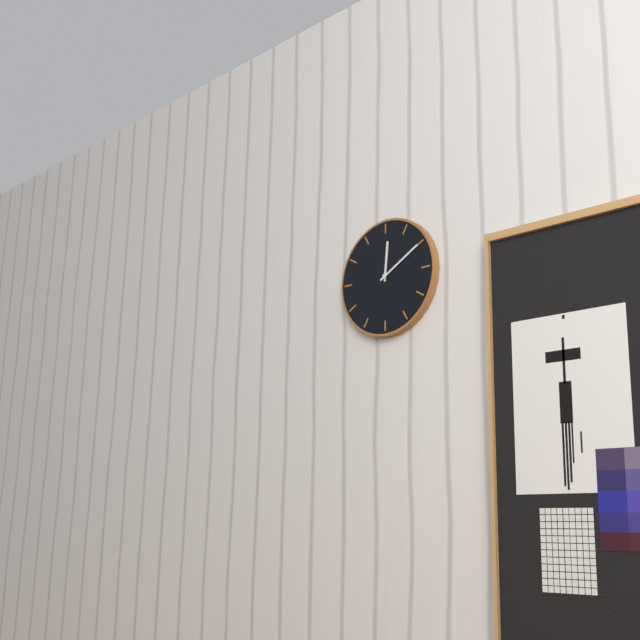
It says 12.10
